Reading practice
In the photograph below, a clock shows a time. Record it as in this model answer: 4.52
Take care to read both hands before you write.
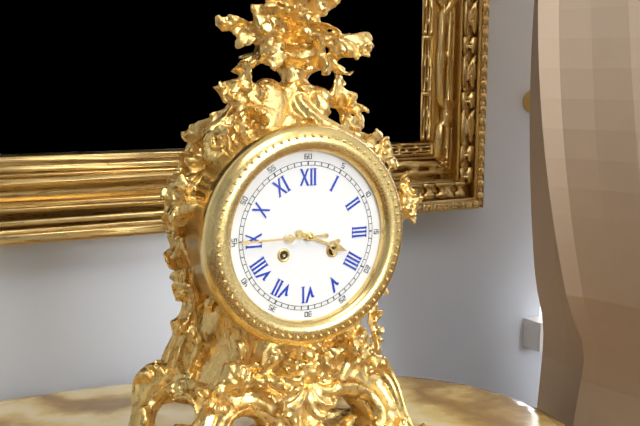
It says 3.45
